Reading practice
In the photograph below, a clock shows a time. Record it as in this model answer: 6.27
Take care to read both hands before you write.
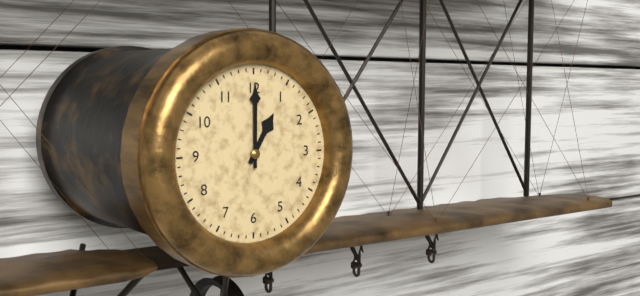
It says 1.00
